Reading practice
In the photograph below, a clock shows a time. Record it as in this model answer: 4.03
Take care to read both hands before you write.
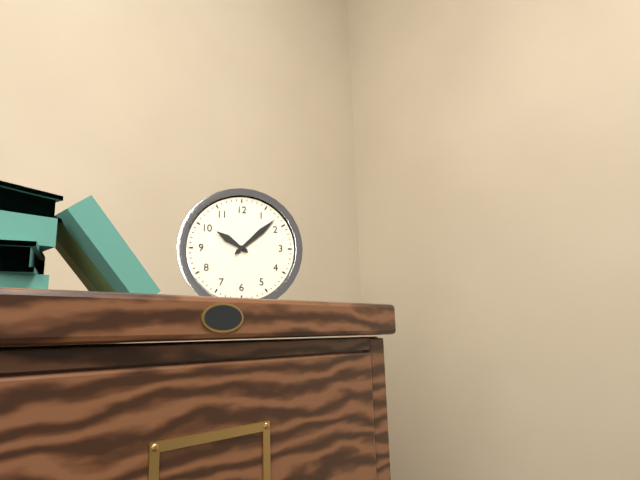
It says 10.08
